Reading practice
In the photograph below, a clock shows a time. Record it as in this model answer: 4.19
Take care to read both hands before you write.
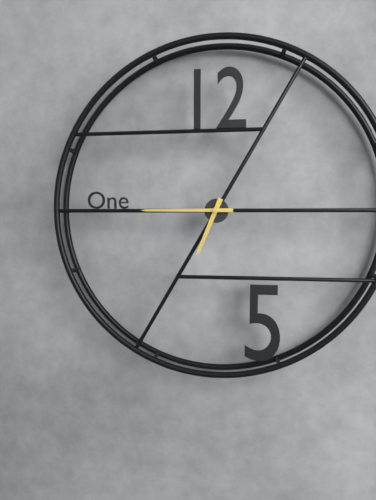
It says 6.45
